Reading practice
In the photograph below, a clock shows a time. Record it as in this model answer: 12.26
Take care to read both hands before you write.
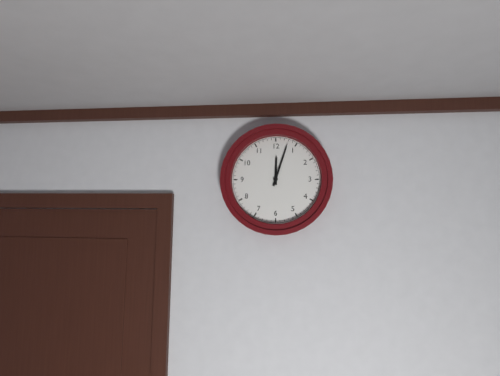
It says 12.03
